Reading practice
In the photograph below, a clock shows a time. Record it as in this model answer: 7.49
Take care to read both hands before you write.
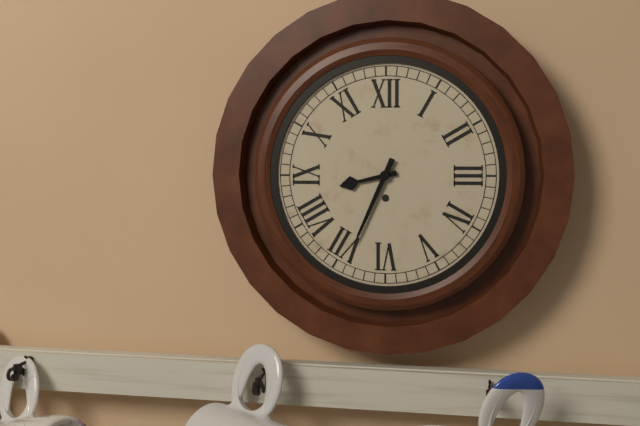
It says 8.34
